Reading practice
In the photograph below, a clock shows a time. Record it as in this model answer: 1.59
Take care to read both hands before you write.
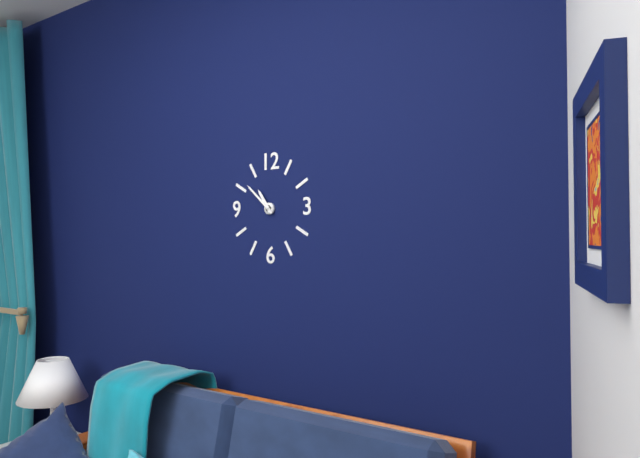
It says 10.52
